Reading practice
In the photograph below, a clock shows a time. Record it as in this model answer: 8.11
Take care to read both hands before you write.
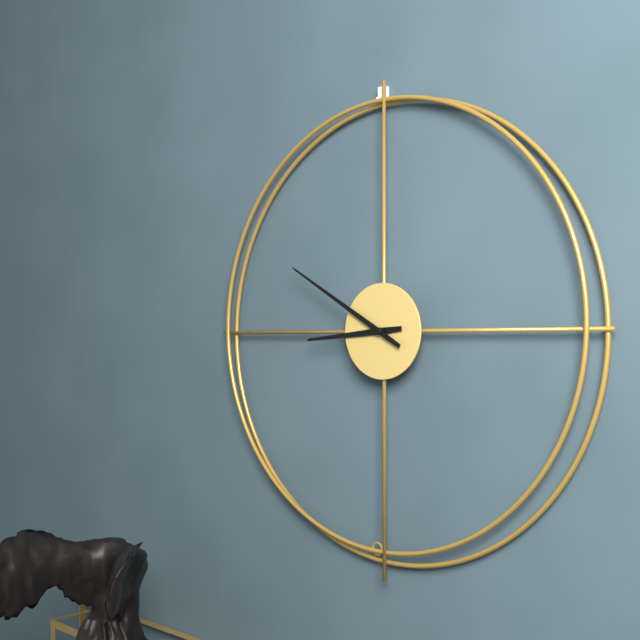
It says 8.50
